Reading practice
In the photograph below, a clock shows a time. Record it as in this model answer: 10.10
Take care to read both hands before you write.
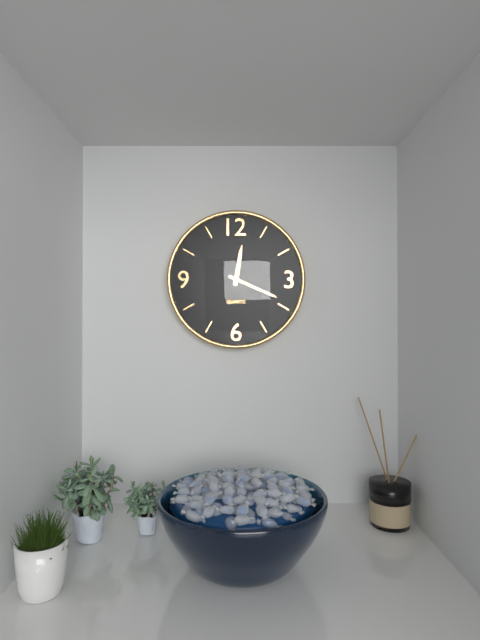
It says 12.19
